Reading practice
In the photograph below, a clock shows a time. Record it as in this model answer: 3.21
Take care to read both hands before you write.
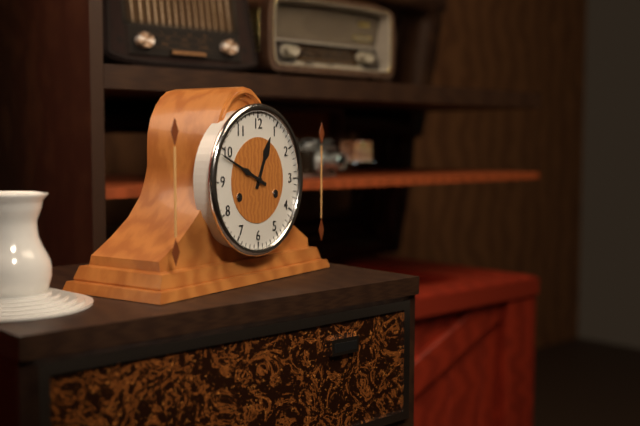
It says 12.49
